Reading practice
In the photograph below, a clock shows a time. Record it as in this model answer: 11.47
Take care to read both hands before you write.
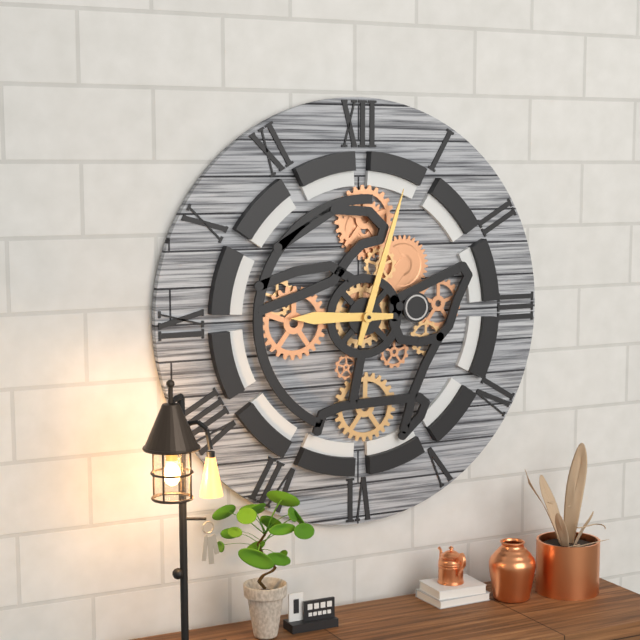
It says 9.03
